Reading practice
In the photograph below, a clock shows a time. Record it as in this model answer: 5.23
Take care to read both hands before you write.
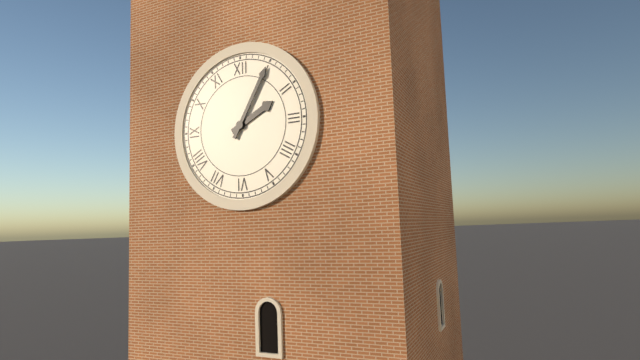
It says 2.05
